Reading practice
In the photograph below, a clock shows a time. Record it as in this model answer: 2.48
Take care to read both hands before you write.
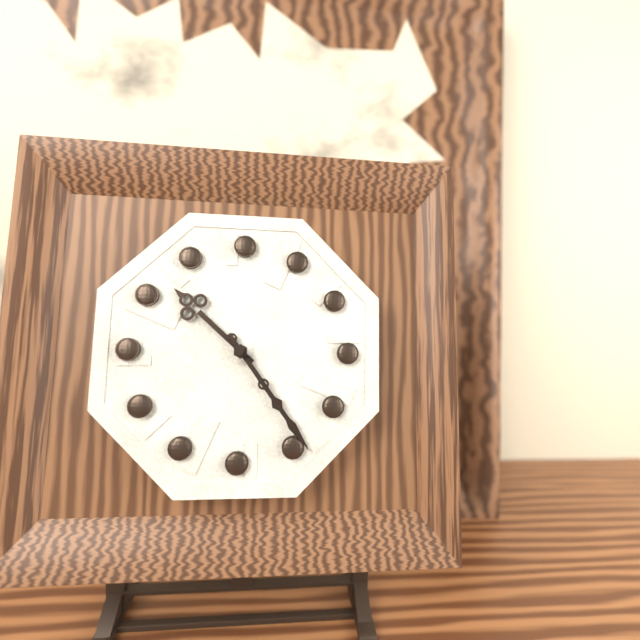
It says 10.24
